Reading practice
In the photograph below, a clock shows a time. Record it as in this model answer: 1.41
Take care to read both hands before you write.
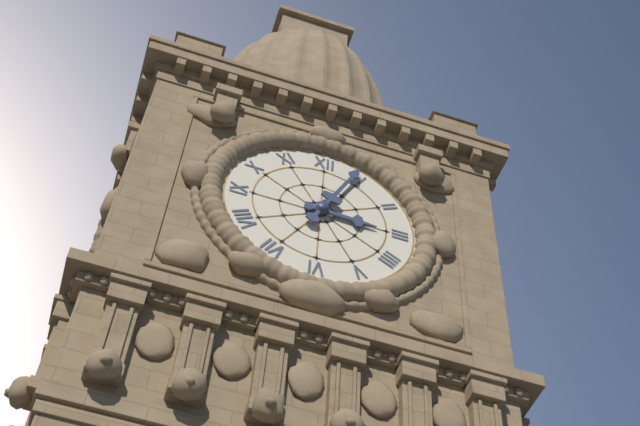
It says 3.04
